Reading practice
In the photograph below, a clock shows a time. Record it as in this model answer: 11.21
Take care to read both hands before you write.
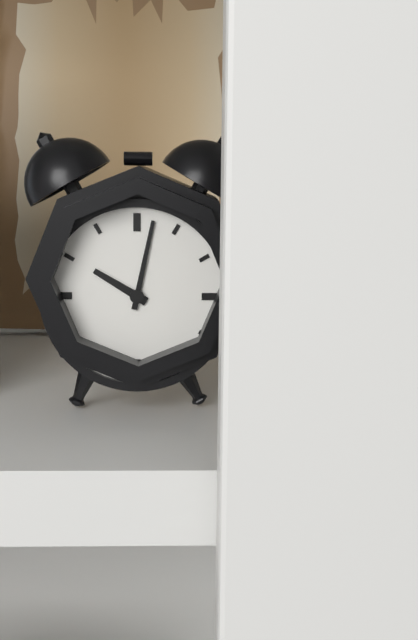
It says 10.02
